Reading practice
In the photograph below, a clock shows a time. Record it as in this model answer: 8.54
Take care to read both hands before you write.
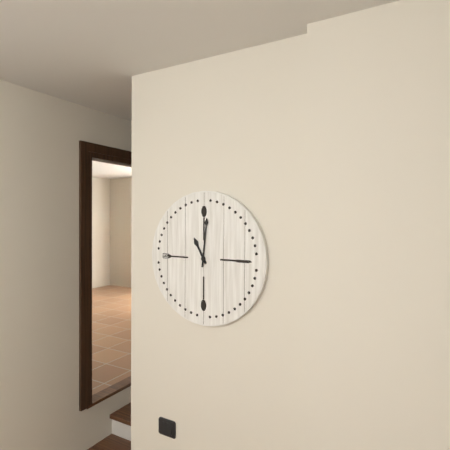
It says 11.01
